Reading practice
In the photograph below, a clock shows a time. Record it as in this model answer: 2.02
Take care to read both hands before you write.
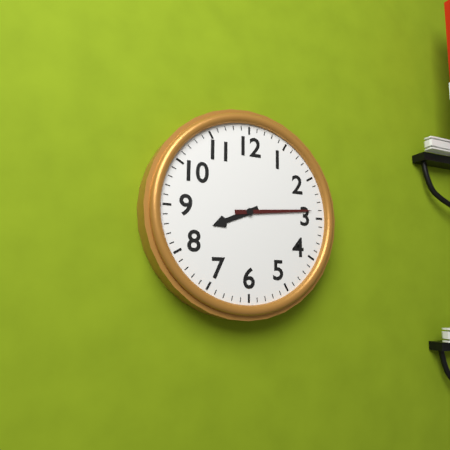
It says 8.14
